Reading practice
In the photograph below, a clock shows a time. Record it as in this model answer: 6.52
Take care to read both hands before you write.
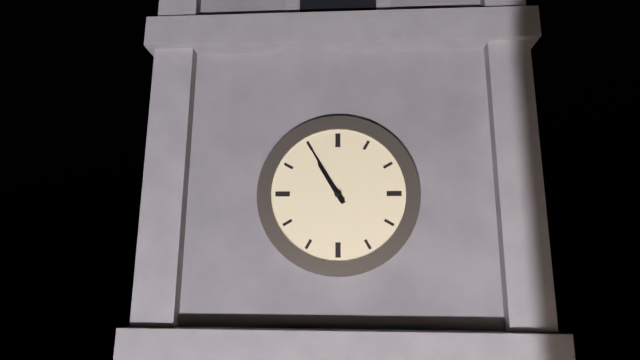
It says 10.55
